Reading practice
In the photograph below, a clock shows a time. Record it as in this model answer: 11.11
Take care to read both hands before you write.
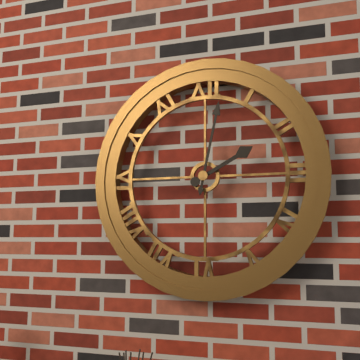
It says 2.02
